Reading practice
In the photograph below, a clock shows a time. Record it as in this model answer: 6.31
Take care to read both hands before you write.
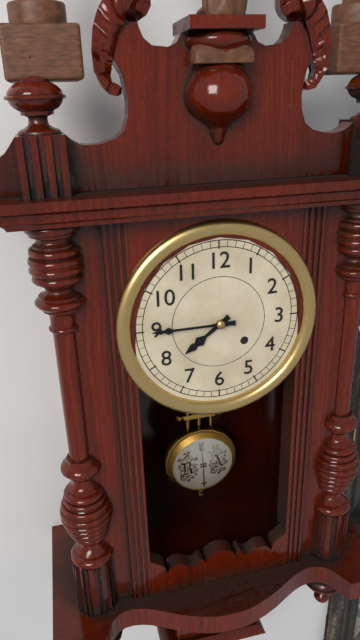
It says 7.45
